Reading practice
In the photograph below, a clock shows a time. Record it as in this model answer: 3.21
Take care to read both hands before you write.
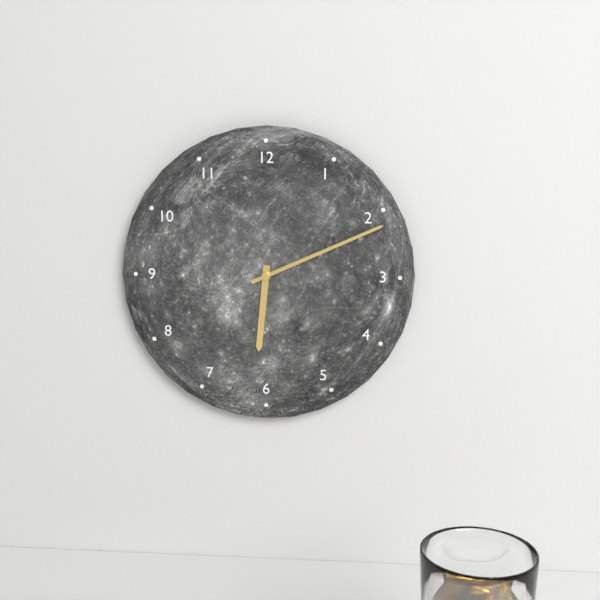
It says 6.11
